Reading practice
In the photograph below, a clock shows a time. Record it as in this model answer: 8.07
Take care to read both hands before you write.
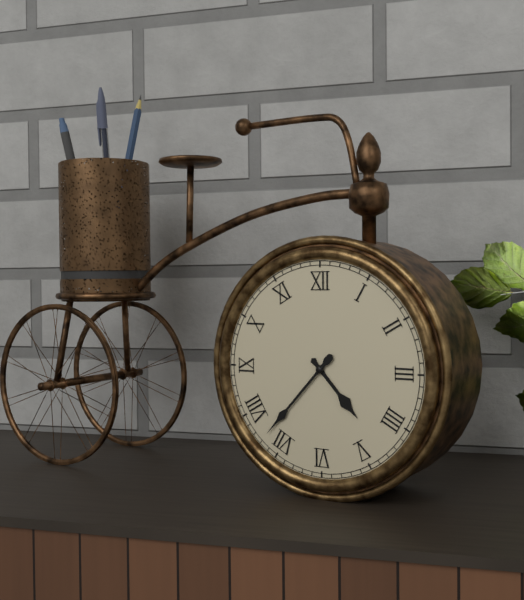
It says 4.37
